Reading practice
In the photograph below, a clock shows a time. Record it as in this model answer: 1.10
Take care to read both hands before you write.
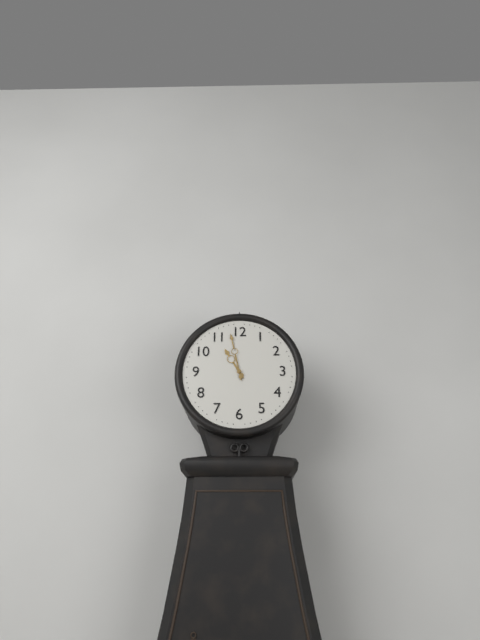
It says 10.58
